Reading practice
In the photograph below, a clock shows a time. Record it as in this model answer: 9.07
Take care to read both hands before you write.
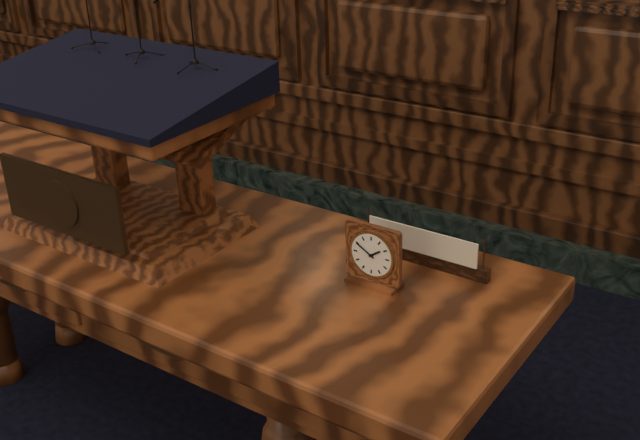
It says 1.50
